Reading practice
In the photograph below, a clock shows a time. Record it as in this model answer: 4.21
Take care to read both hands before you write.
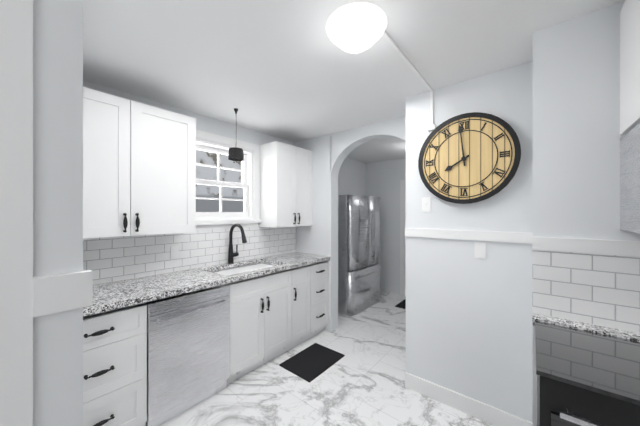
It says 7.59
